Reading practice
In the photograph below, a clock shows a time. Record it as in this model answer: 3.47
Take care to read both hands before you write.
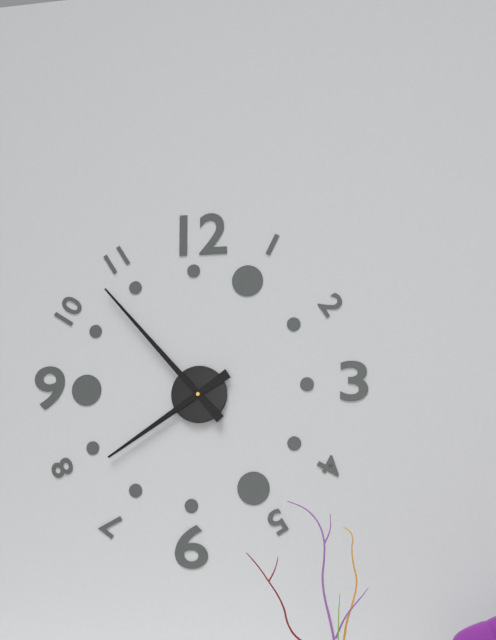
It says 7.53
